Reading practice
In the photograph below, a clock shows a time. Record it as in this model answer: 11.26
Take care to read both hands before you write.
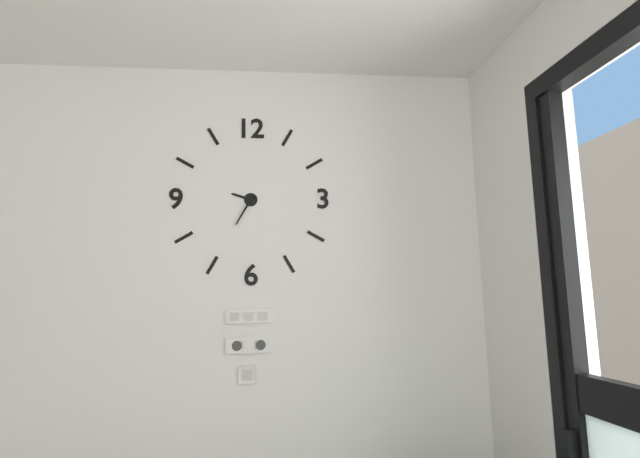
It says 9.35
